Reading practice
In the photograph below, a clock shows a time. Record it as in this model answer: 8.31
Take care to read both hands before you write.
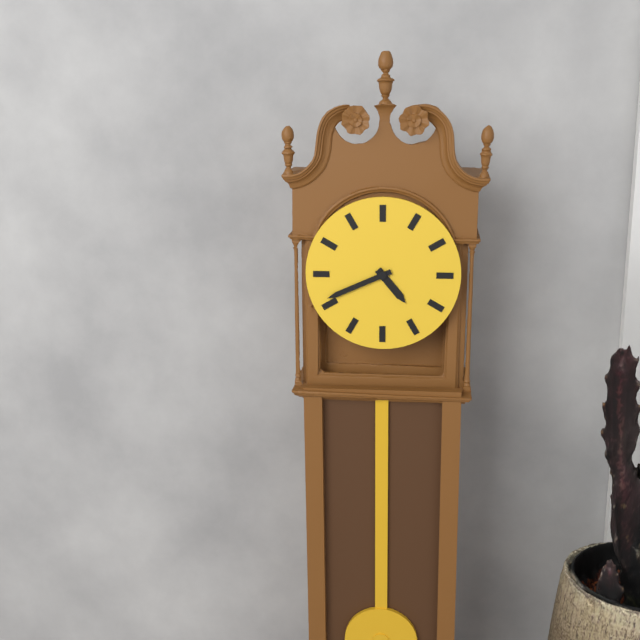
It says 4.41
